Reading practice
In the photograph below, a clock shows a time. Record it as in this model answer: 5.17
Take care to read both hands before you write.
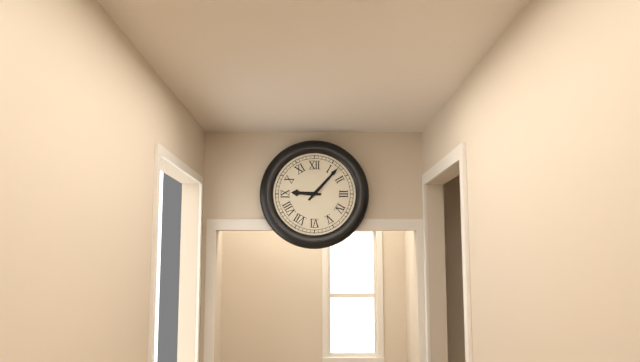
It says 9.07
